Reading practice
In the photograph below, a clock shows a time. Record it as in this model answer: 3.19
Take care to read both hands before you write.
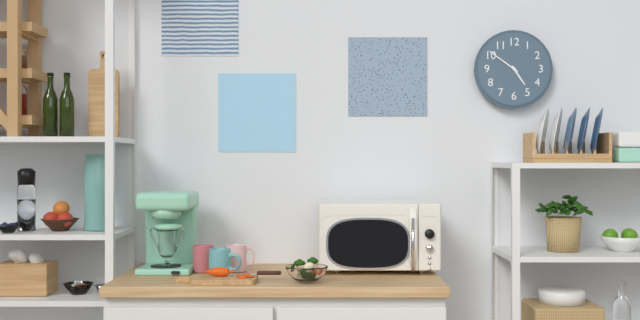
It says 4.51
